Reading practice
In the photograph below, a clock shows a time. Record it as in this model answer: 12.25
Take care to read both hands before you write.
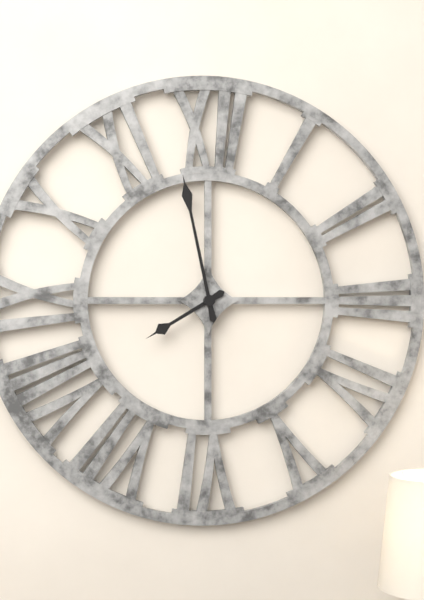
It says 7.58
